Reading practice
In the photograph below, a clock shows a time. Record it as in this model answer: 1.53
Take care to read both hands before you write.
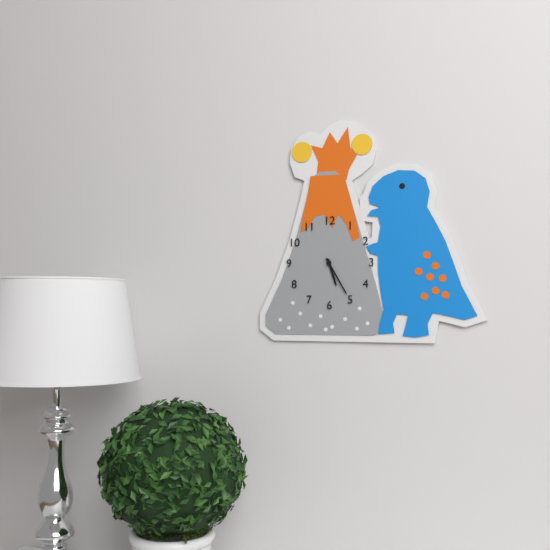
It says 5.25
